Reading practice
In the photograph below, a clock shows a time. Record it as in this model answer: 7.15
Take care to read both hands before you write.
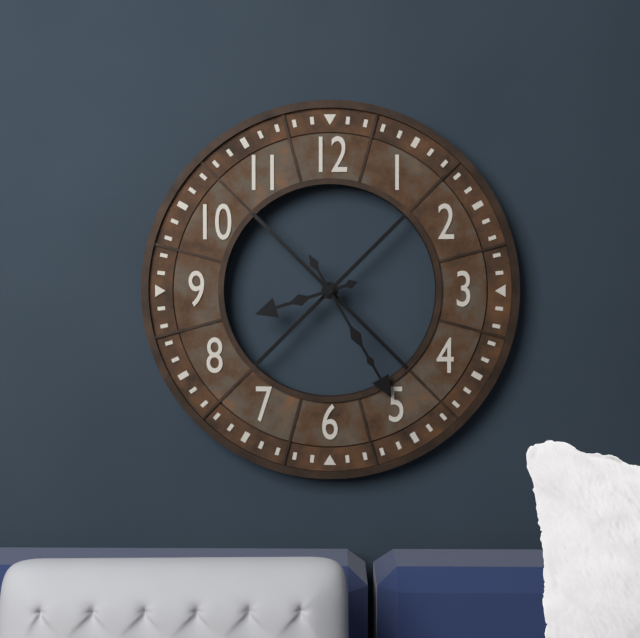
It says 8.25
